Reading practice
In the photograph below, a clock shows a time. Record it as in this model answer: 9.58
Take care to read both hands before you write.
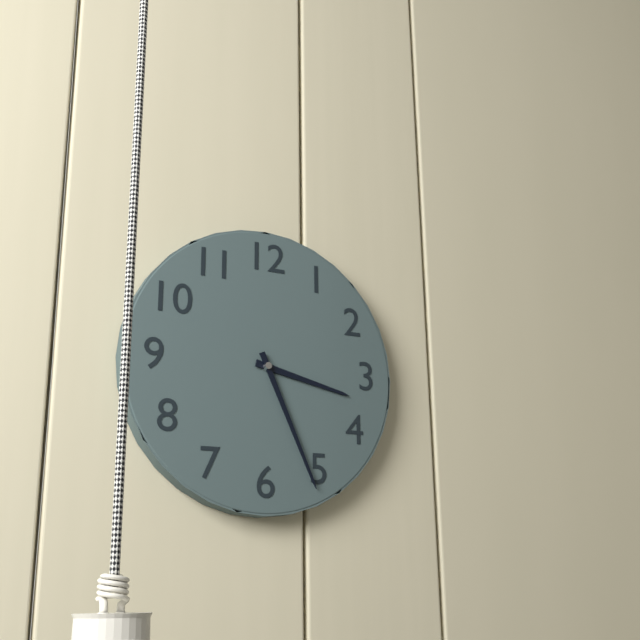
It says 3.26
